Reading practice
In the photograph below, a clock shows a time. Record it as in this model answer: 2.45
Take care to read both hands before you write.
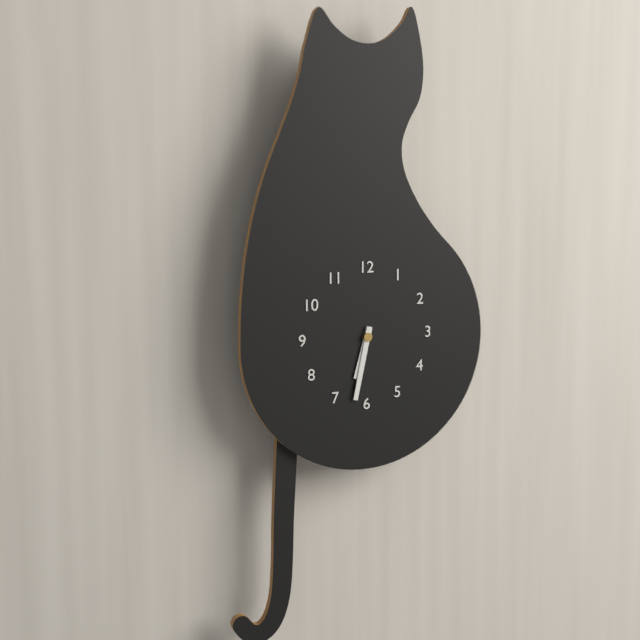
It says 6.32
